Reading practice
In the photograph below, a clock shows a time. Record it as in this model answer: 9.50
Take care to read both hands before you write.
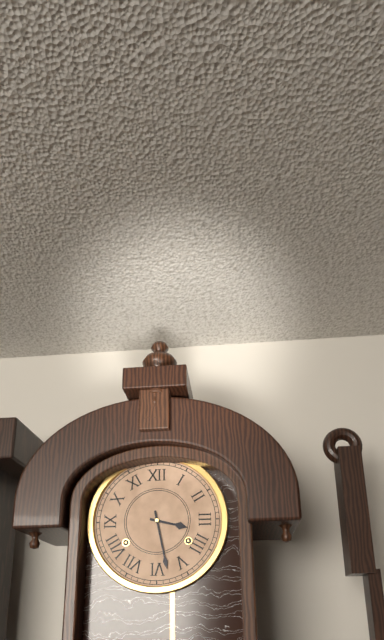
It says 3.28
